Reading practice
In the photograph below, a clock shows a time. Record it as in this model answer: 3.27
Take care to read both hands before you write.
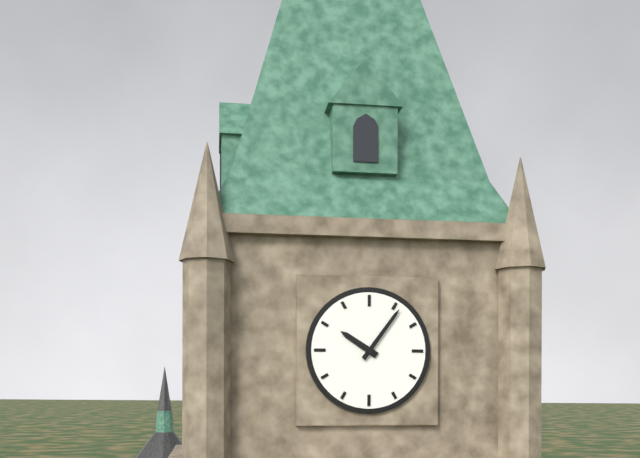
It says 10.06
